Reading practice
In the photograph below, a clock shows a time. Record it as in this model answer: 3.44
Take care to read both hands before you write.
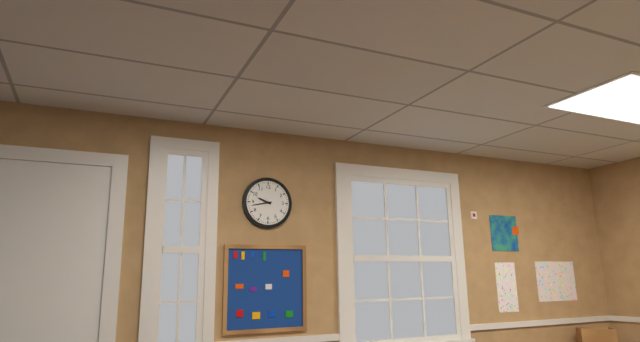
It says 9.43
